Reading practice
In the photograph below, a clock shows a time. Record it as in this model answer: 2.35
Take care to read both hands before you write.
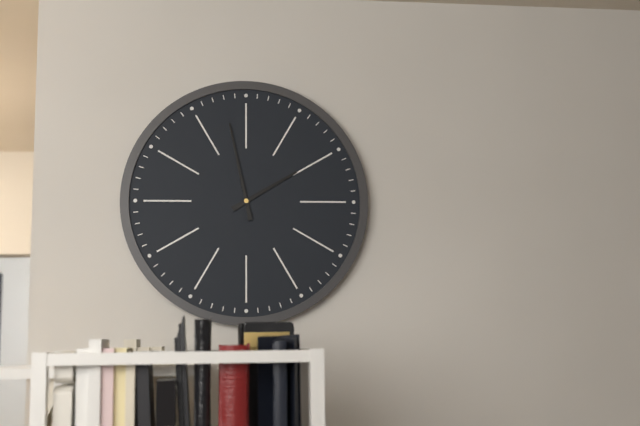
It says 1.58
